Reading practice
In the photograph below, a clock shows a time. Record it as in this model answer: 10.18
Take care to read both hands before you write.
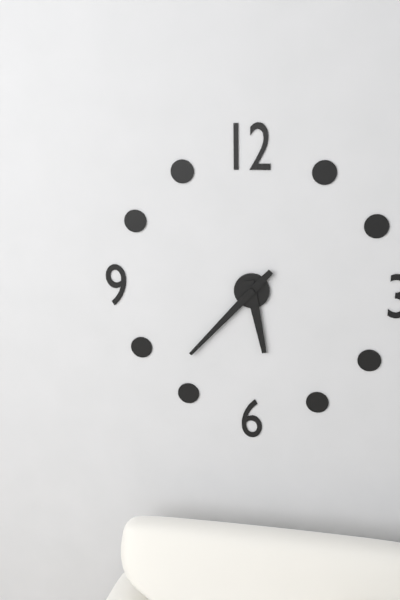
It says 5.37
